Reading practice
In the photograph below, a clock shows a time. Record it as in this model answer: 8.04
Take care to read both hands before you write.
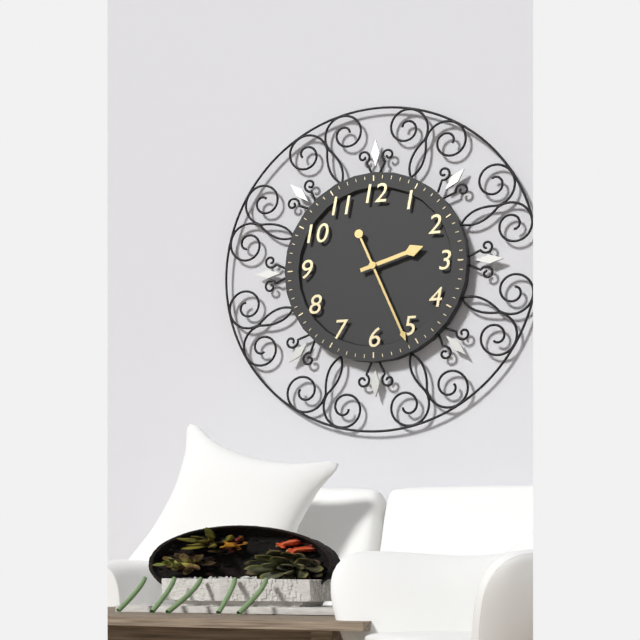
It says 2.26
